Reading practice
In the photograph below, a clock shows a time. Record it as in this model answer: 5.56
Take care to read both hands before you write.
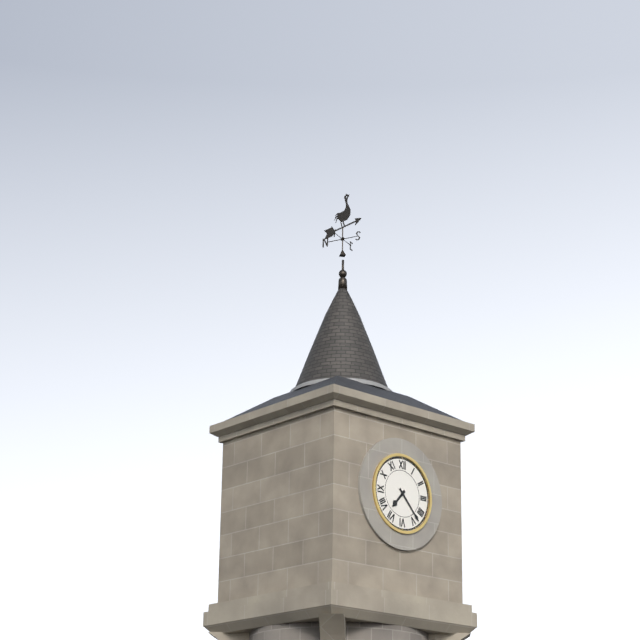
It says 7.23
